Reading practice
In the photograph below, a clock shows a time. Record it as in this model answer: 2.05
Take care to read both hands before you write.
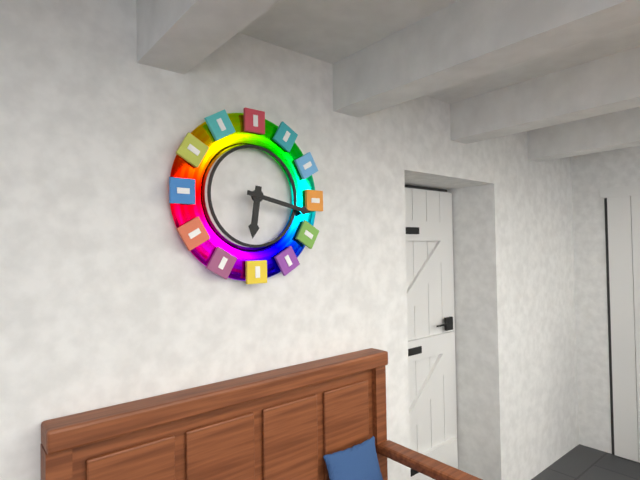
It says 6.17
